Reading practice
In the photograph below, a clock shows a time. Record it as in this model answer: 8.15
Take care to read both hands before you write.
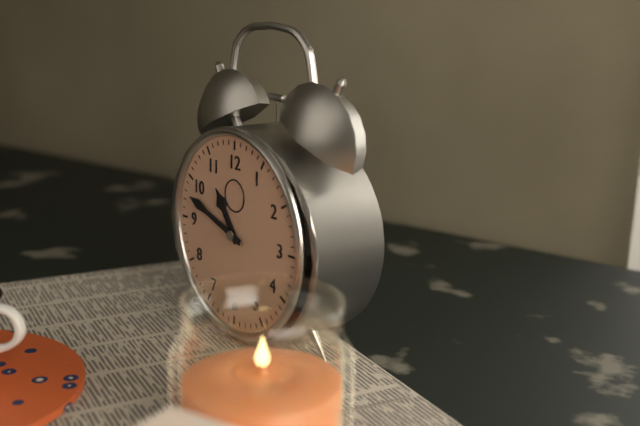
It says 10.48
